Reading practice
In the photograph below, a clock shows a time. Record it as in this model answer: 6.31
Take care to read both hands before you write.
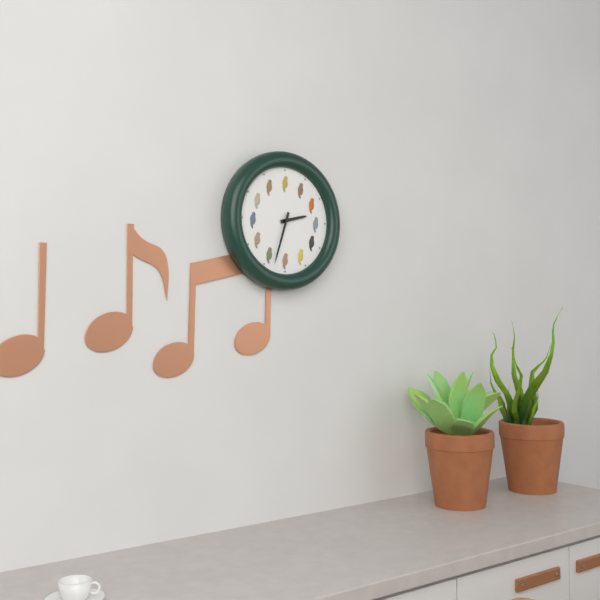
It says 2.33
